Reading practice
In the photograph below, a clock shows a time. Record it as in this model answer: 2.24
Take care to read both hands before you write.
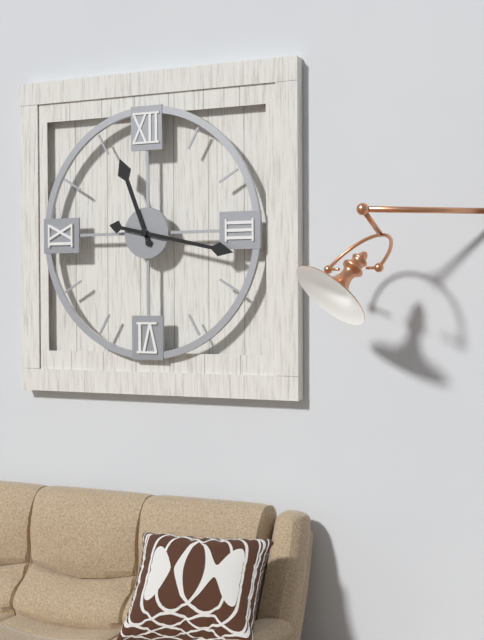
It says 11.17
